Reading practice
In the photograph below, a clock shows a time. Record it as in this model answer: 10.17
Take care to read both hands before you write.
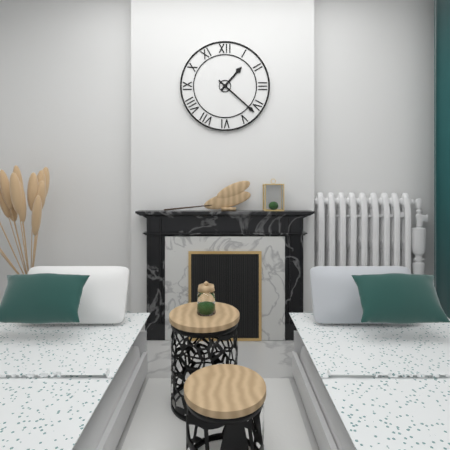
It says 1.22
